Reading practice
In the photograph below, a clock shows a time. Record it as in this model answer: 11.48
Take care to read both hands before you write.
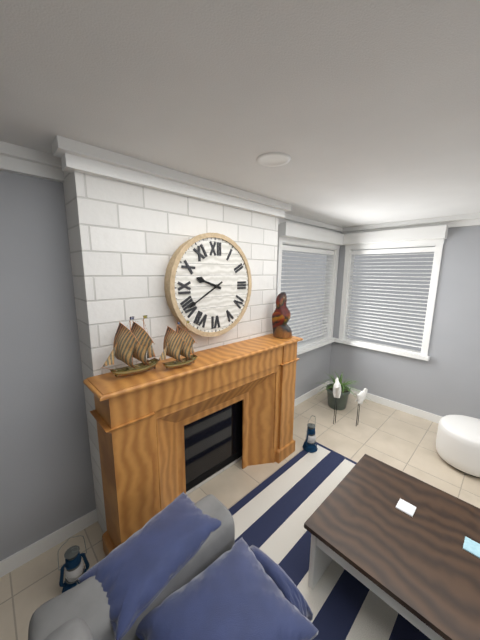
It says 9.40
